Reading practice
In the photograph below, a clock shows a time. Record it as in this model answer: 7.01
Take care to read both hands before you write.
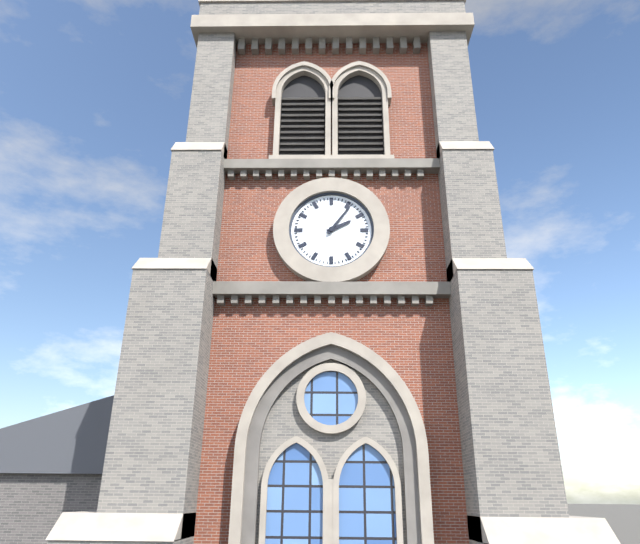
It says 2.06
